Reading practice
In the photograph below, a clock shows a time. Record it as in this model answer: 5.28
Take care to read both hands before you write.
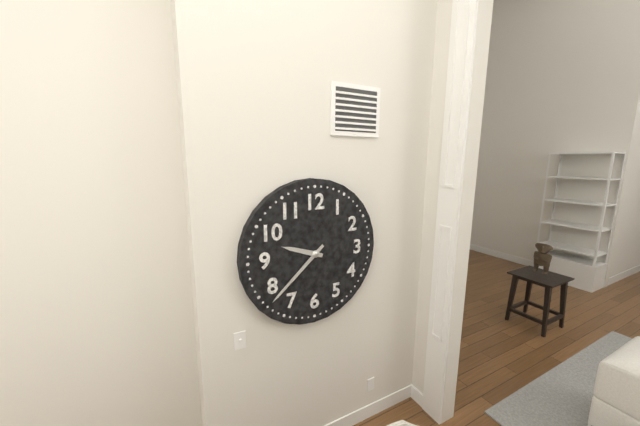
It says 9.38
